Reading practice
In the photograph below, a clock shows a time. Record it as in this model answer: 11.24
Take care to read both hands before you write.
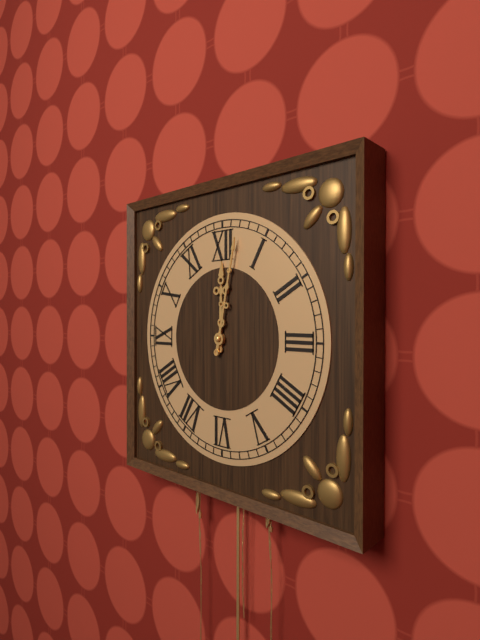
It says 12.02
